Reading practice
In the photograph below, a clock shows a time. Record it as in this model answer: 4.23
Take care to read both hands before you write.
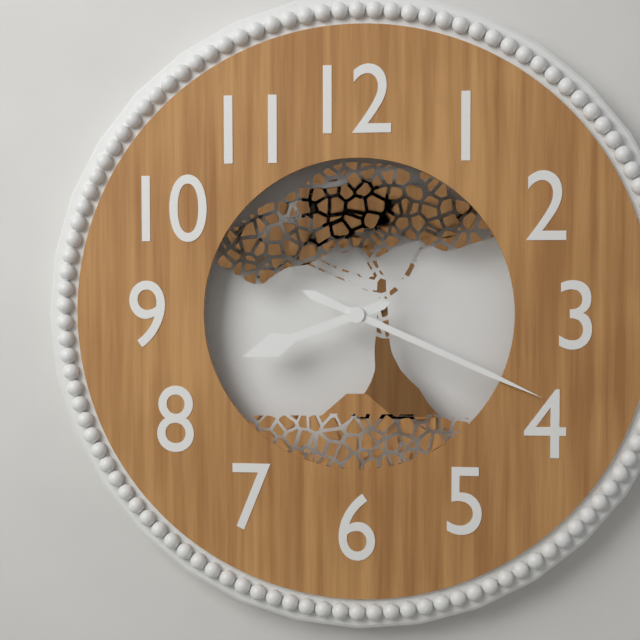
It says 8.19
